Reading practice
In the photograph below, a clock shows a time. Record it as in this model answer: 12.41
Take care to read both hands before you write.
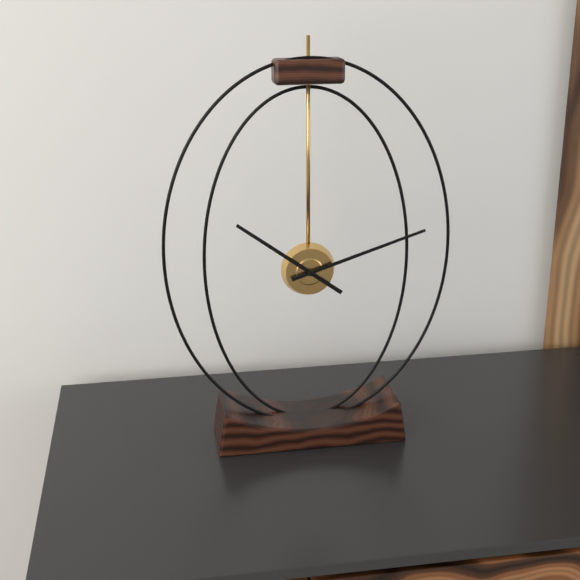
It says 10.12
